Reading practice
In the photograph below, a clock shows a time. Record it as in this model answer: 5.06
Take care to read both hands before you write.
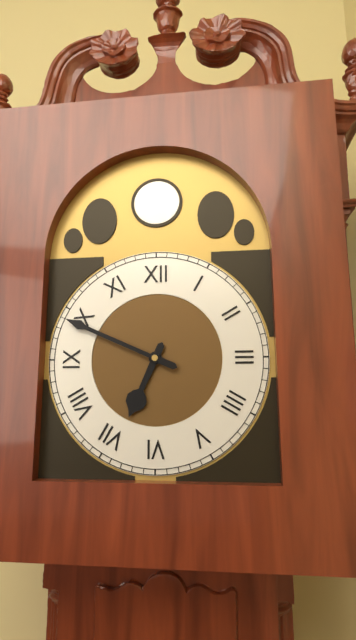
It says 6.49
